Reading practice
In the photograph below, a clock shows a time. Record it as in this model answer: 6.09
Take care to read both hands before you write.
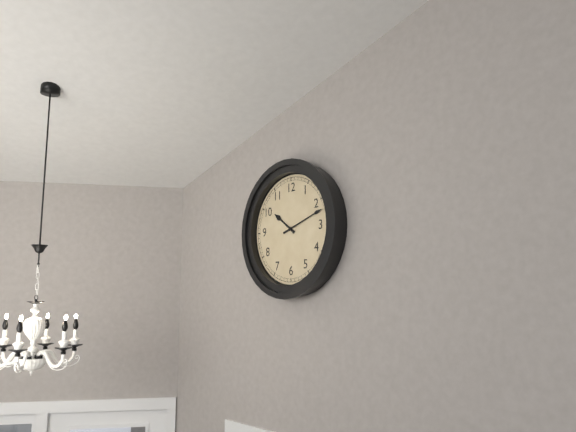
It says 10.12
